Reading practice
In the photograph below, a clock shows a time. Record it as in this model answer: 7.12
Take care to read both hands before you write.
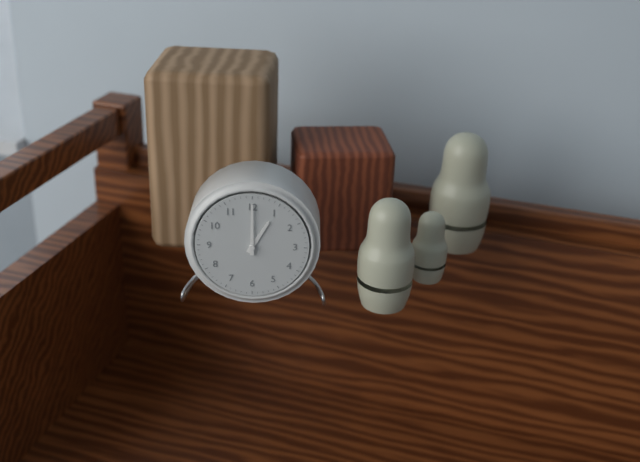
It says 1.00
